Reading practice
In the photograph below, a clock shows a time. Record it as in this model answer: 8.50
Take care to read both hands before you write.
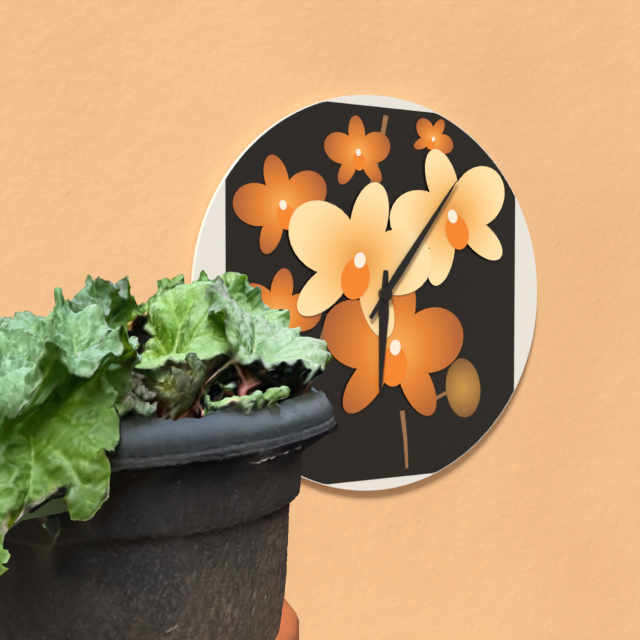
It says 6.06
